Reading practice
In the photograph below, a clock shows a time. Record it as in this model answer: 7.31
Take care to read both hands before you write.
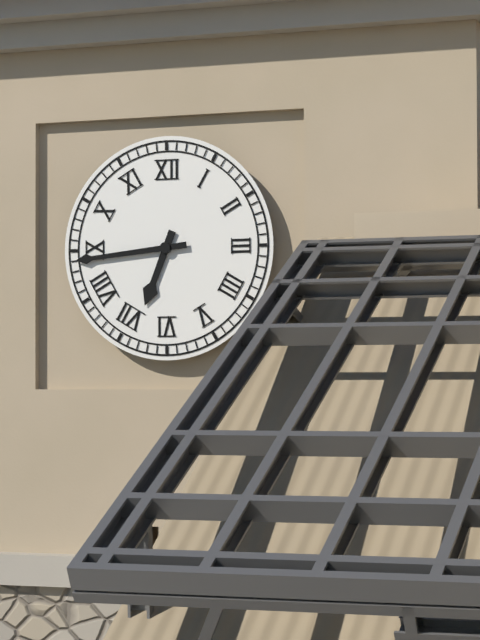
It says 6.44
